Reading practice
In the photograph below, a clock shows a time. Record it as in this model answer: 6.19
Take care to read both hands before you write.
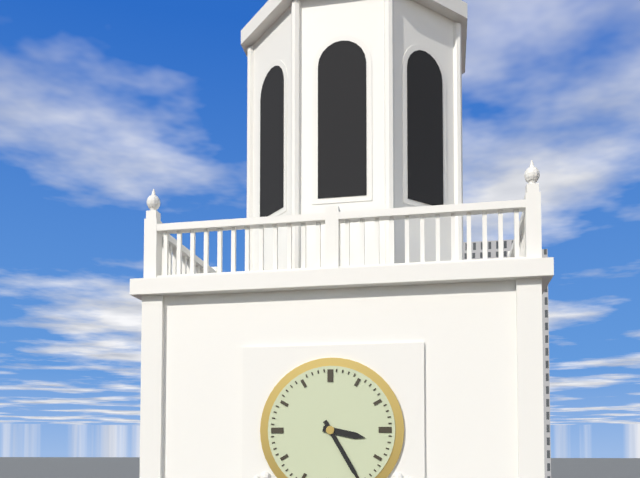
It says 3.25
